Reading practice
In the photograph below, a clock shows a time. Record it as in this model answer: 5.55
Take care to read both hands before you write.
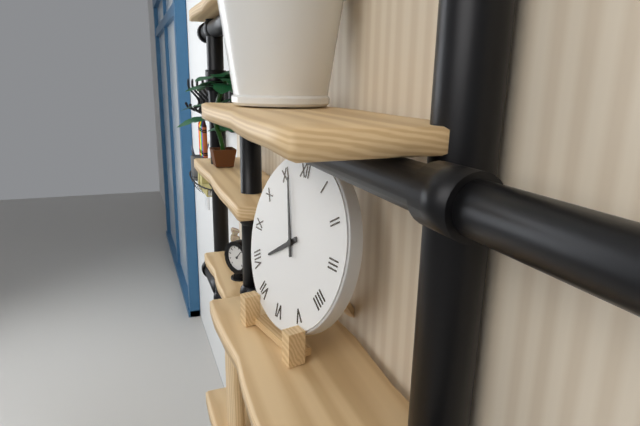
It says 7.56
